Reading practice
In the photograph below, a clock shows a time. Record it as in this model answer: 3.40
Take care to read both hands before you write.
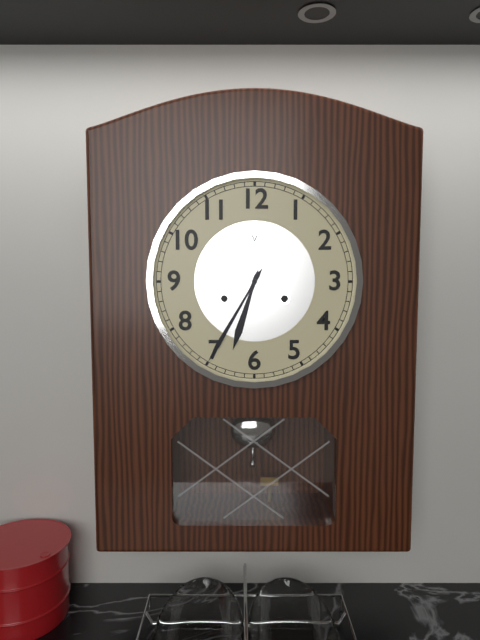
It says 6.35
